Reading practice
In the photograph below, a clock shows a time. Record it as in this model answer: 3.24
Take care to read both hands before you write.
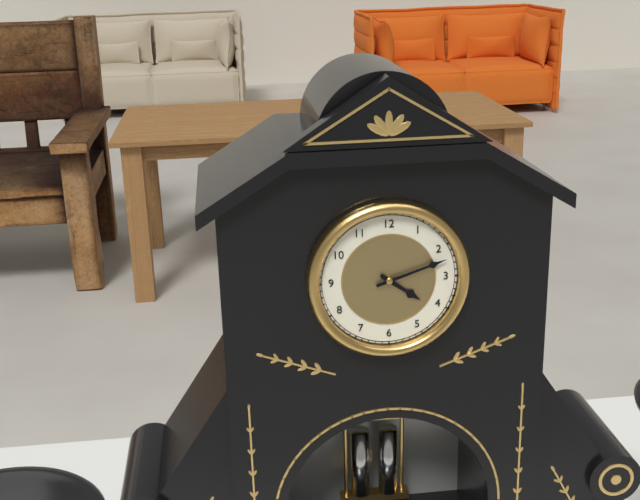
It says 4.12
